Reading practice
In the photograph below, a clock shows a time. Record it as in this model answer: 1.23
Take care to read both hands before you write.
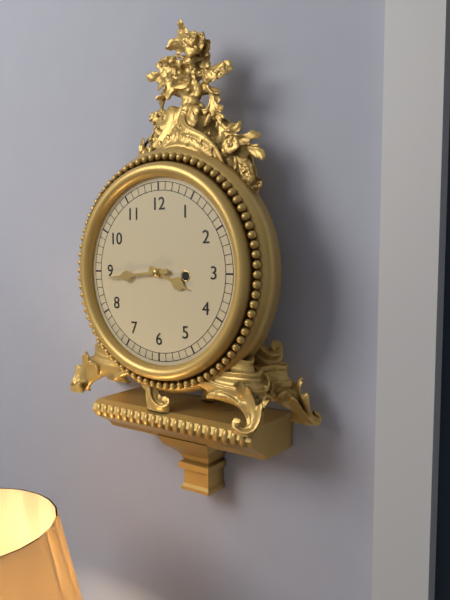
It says 3.44
